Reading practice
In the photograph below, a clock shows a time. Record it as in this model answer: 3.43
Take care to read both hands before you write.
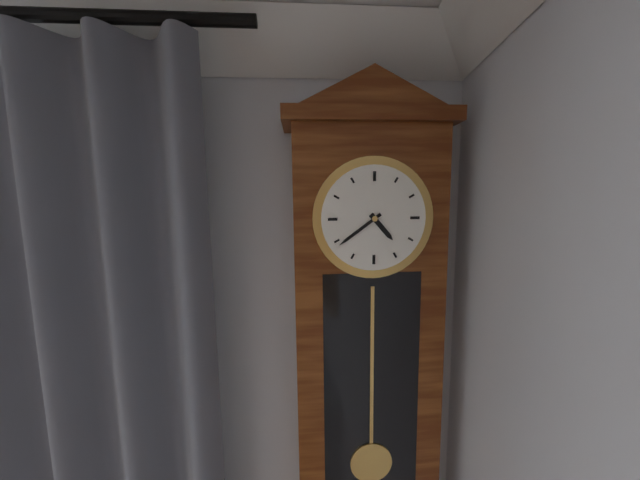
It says 4.39
